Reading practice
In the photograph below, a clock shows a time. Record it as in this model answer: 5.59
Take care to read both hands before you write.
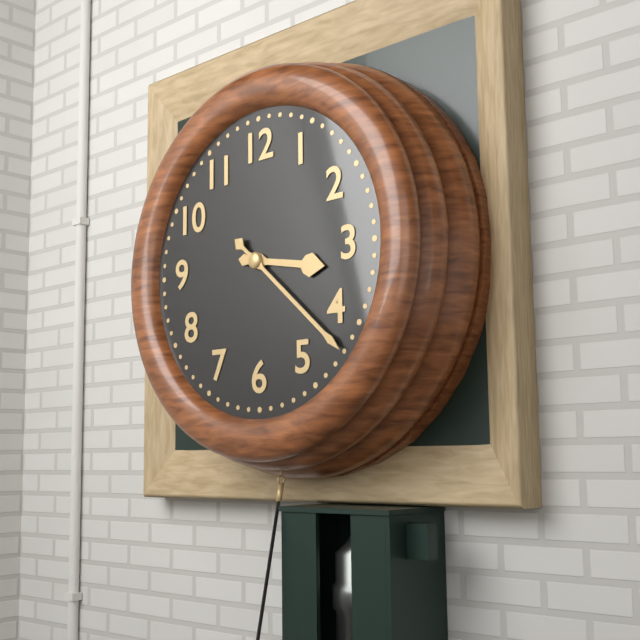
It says 3.22
